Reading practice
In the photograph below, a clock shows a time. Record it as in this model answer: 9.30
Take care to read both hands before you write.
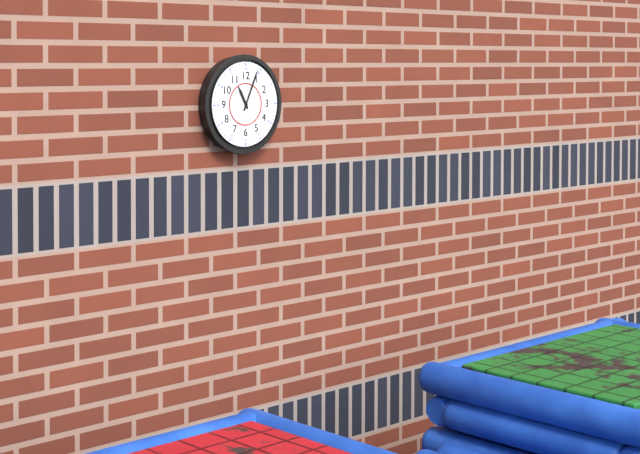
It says 11.04
